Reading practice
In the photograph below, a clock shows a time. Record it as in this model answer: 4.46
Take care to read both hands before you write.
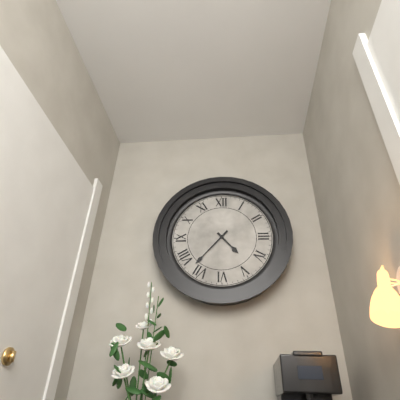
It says 4.37
